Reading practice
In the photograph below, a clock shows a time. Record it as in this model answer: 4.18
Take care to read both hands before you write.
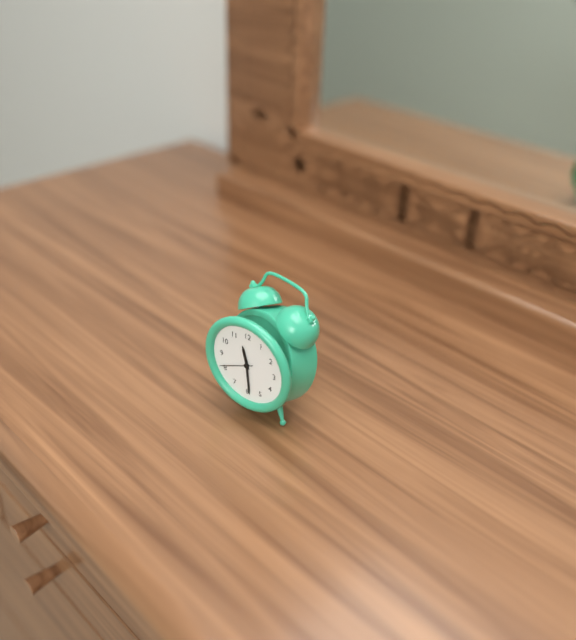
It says 11.29
